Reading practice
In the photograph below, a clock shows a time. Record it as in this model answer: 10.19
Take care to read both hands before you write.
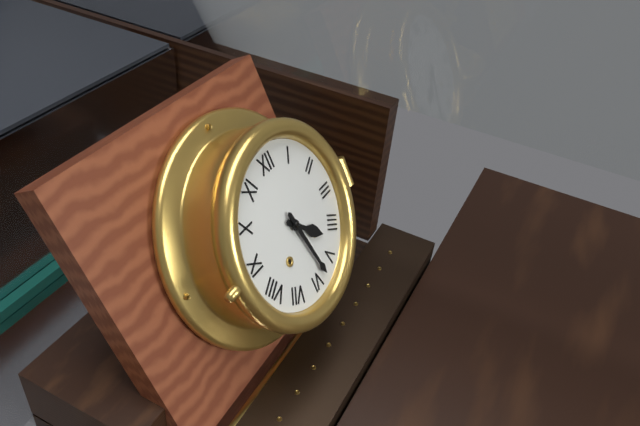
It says 4.28
